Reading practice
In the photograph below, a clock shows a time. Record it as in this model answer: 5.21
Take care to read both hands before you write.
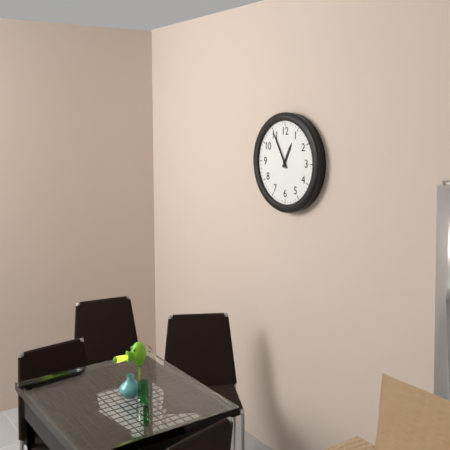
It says 12.55
